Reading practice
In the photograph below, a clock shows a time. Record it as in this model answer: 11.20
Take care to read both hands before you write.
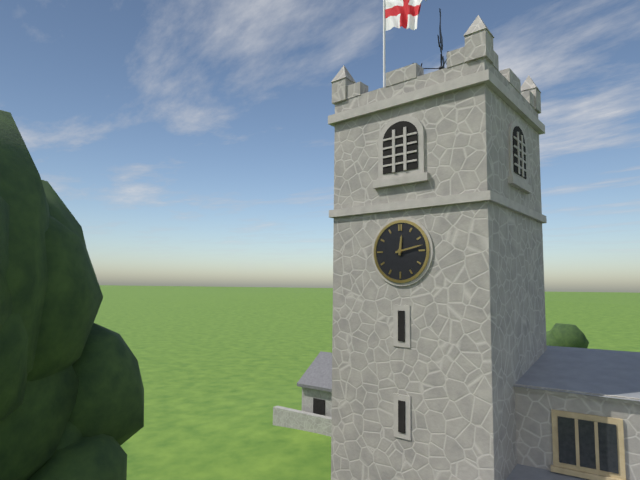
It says 12.13
